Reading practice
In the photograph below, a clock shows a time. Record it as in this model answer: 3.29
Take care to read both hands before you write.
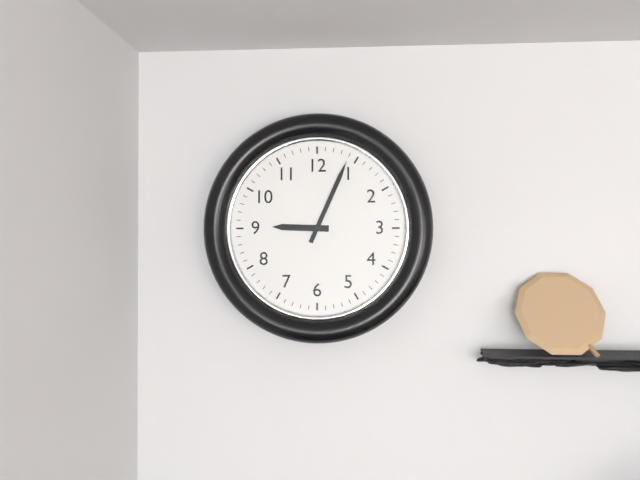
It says 9.04
